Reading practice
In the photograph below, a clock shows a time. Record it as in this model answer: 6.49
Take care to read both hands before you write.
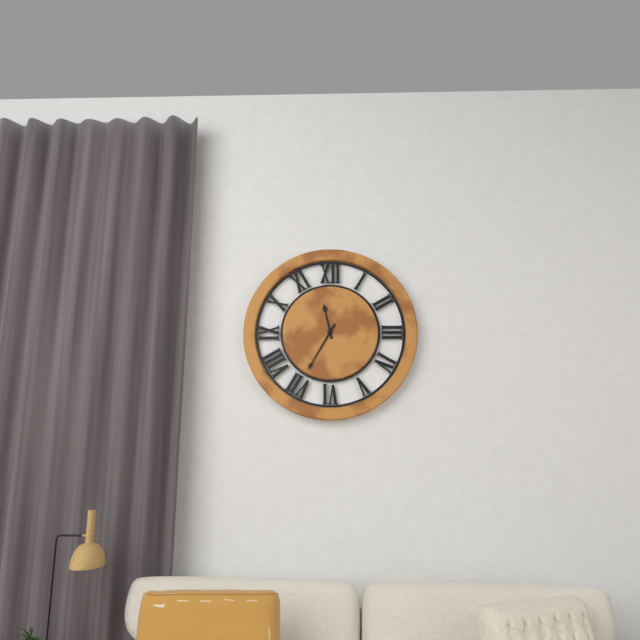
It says 11.35
